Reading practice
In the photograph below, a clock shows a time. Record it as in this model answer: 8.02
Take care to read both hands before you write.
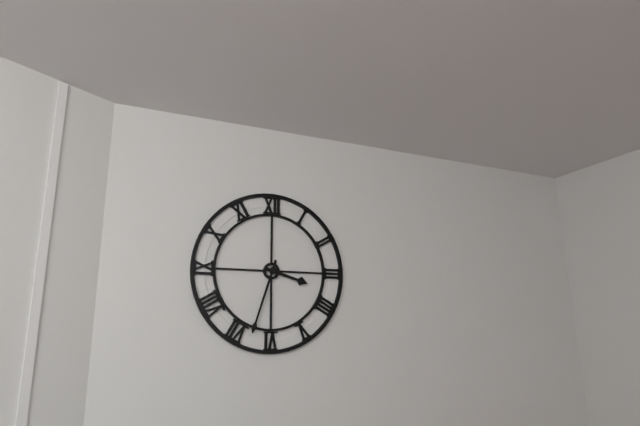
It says 3.33
